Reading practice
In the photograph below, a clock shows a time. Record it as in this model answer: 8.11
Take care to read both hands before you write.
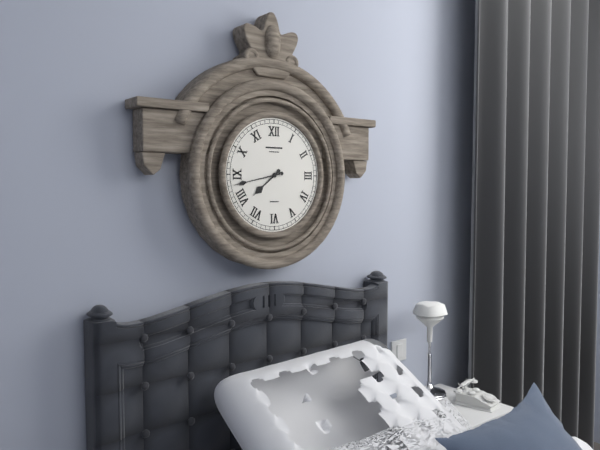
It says 7.43
